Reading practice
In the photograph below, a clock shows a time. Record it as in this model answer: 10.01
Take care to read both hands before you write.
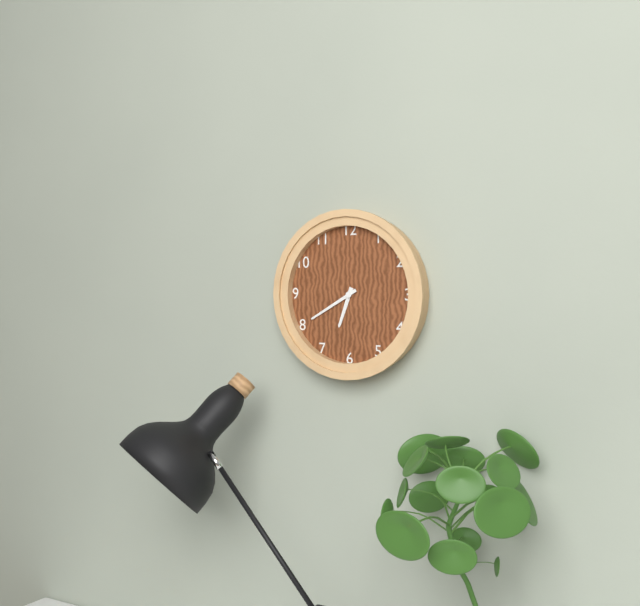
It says 6.40
